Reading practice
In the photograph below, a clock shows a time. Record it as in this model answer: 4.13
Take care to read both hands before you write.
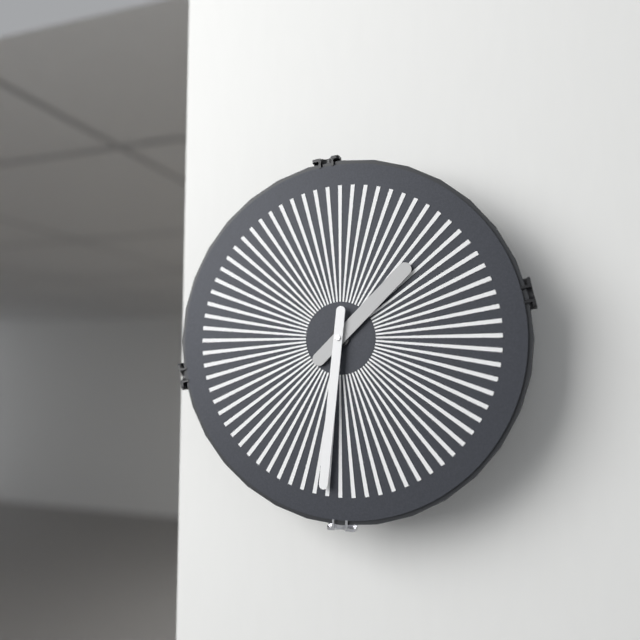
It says 1.31
